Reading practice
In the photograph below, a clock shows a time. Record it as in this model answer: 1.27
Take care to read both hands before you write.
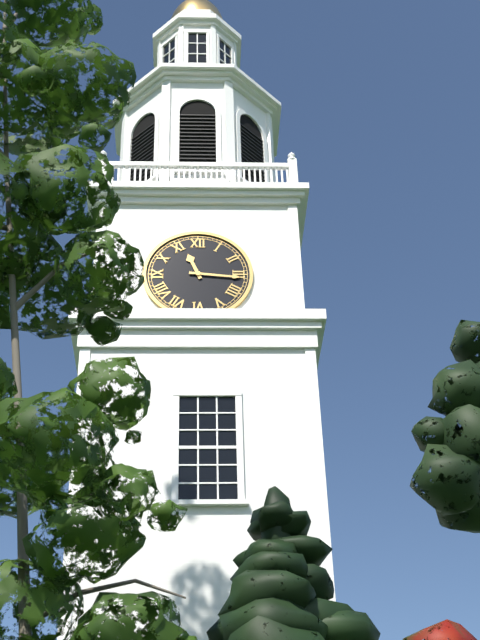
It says 11.16
